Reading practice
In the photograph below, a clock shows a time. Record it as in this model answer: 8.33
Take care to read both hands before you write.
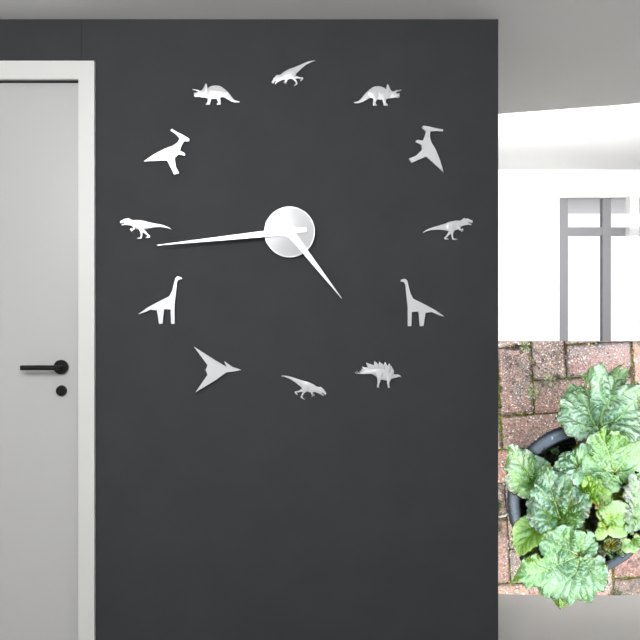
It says 4.44
